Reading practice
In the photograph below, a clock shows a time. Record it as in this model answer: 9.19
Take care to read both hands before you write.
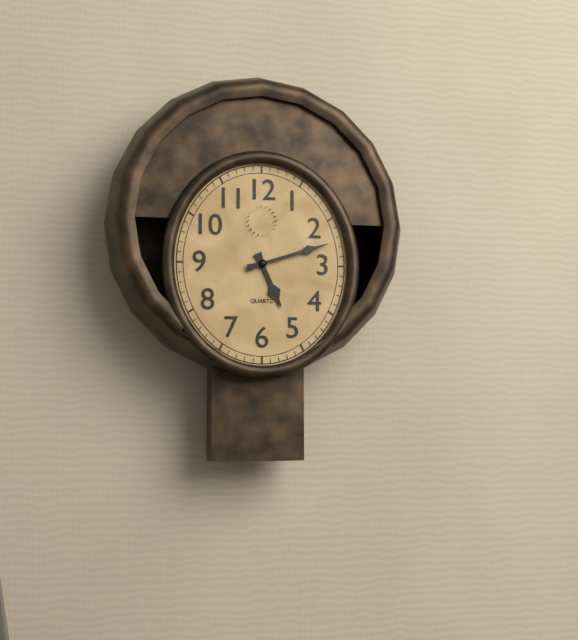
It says 5.12
